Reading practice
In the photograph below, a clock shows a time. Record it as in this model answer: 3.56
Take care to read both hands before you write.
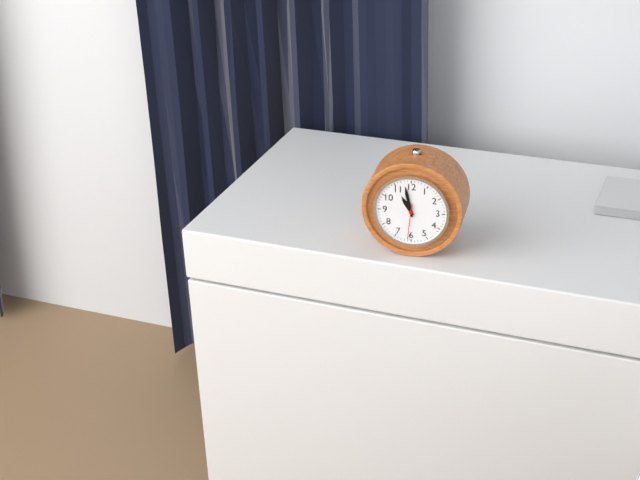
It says 10.58
